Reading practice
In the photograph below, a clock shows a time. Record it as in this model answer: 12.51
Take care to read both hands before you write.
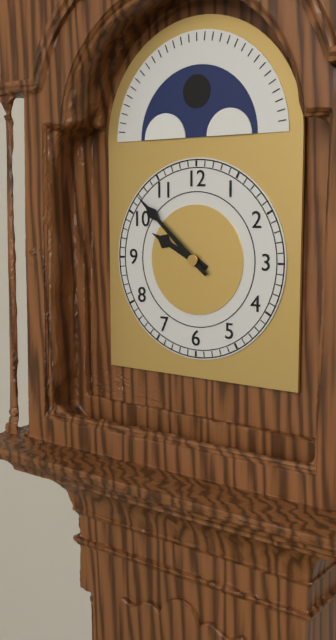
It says 9.52
